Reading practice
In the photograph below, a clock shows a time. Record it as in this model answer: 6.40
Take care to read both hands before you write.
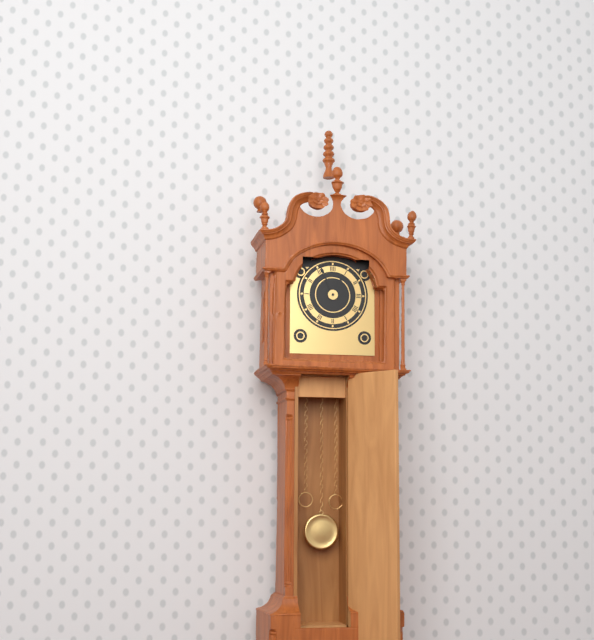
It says 12.56
